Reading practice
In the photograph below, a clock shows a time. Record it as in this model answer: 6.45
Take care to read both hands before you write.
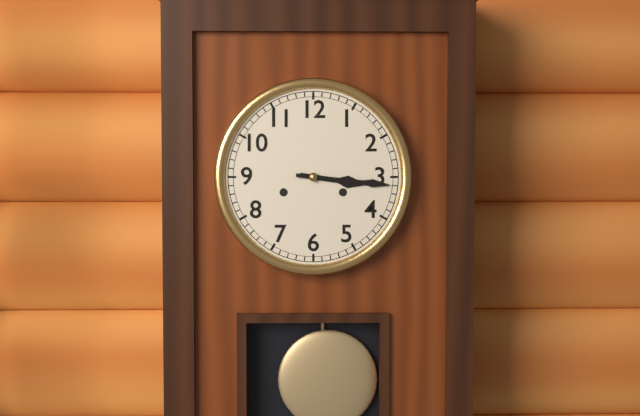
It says 3.16
